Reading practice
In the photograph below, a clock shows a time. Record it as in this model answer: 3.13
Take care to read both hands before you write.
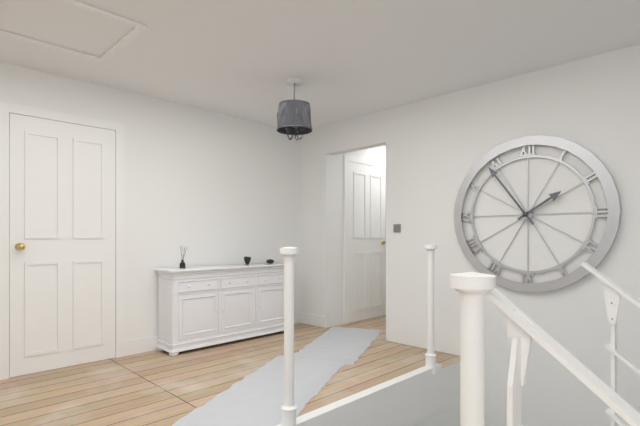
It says 1.54
